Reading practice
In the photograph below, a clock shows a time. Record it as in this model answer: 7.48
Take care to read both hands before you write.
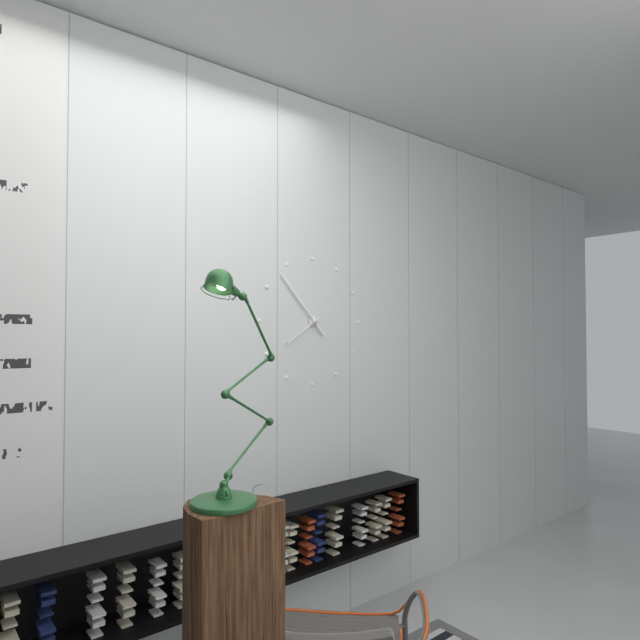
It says 7.53
